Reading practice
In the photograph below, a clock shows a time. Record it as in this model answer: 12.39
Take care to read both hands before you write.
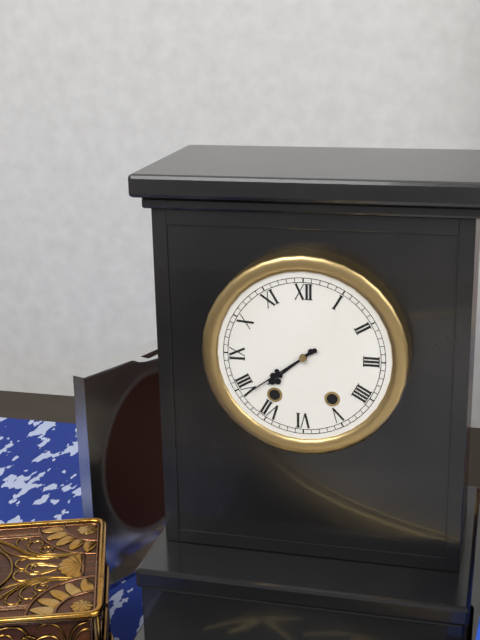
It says 7.39
